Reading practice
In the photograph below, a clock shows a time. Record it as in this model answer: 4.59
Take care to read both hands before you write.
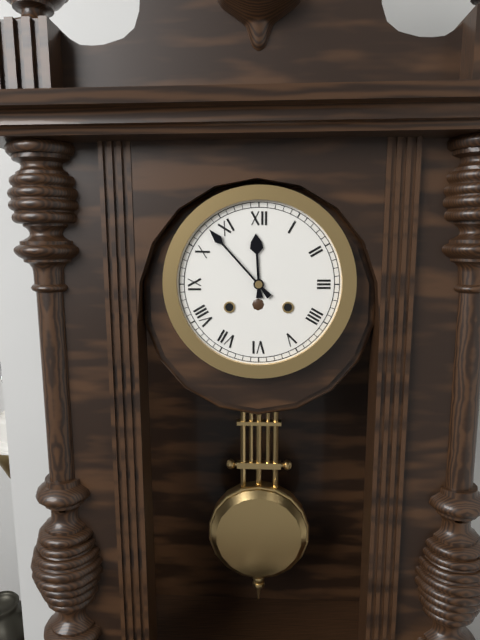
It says 11.53
